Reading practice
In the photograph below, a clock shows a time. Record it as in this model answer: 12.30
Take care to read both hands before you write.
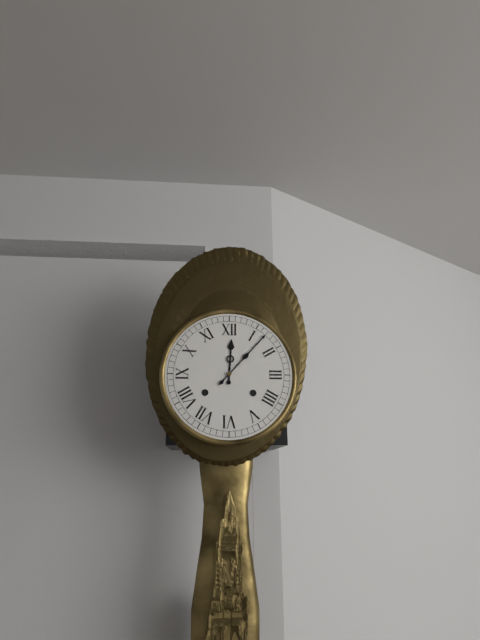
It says 12.07
